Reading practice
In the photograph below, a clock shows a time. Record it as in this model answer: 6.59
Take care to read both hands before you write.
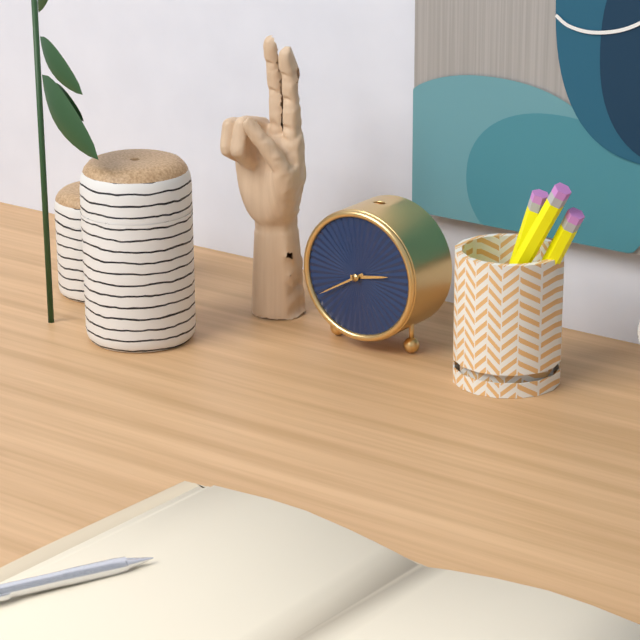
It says 2.40
